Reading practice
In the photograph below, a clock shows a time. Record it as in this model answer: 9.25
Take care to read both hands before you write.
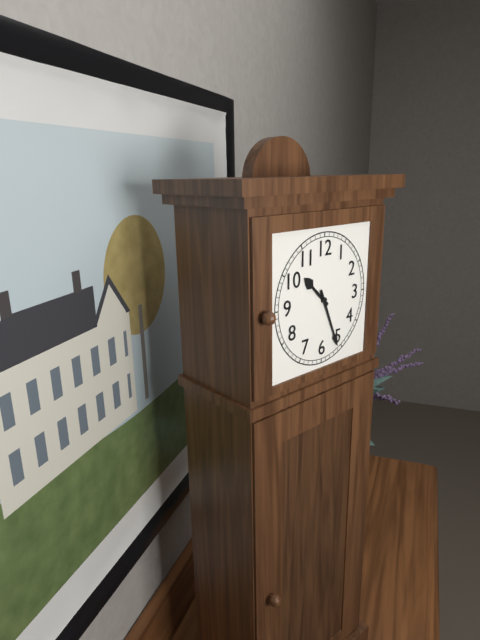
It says 10.26
